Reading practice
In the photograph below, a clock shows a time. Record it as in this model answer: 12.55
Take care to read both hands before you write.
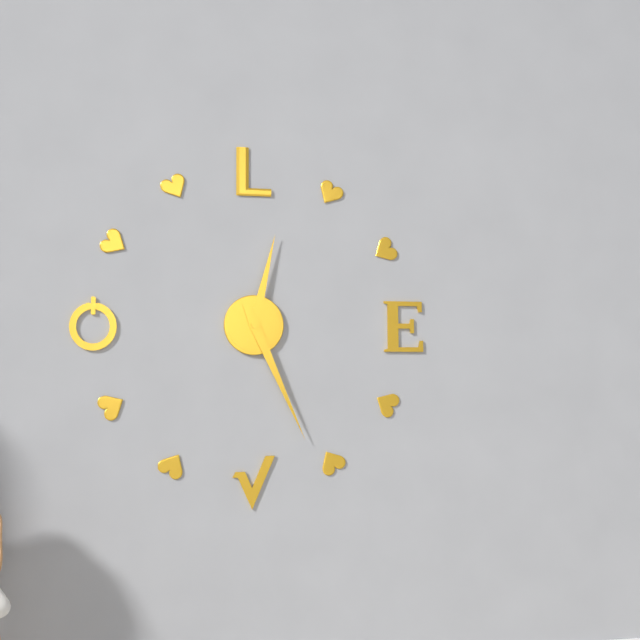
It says 12.26
